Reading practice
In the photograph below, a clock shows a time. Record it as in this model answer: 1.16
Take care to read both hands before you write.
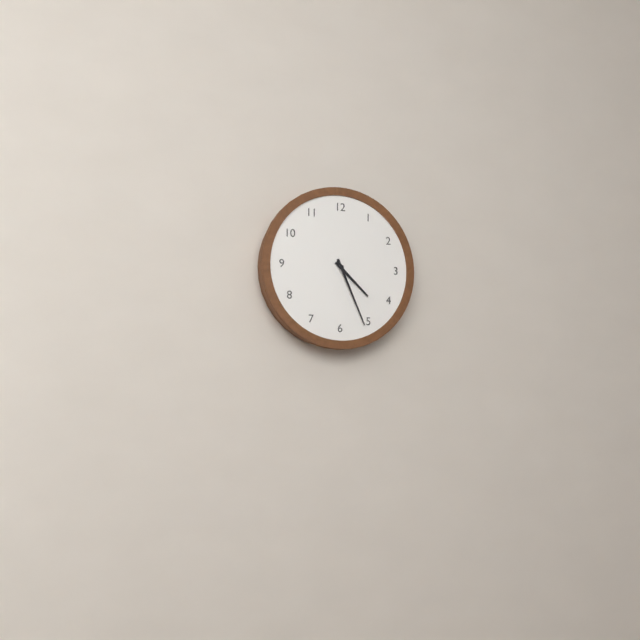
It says 4.26
